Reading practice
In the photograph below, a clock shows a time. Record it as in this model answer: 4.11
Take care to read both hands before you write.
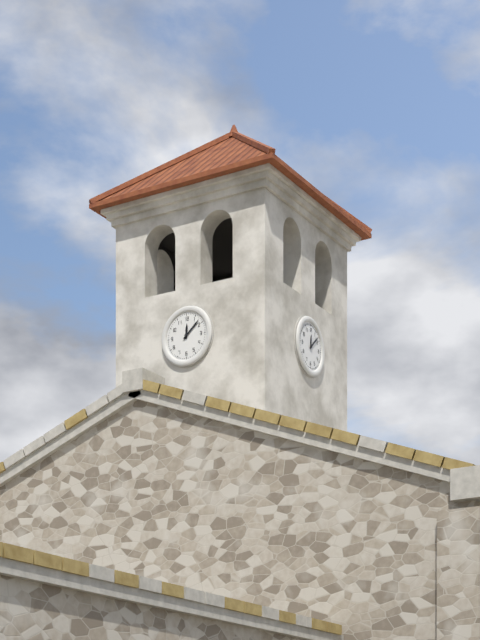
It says 12.08
